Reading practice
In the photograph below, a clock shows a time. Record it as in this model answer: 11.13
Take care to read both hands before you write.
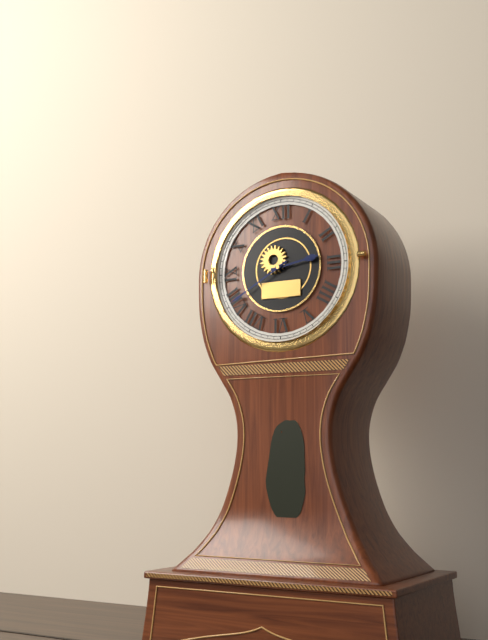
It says 2.40
